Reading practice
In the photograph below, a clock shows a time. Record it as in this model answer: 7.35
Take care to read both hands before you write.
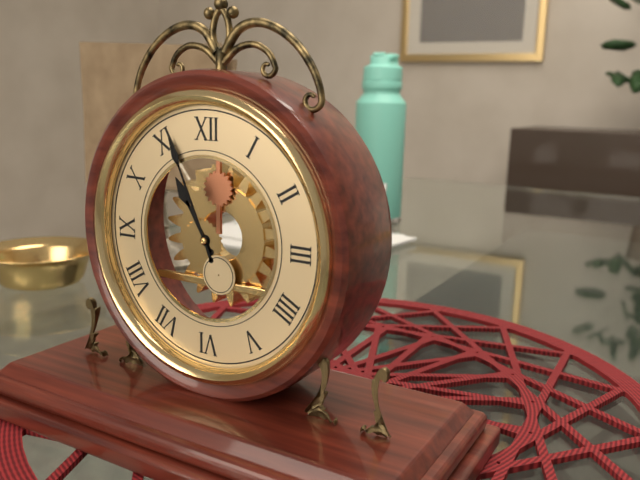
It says 10.56
